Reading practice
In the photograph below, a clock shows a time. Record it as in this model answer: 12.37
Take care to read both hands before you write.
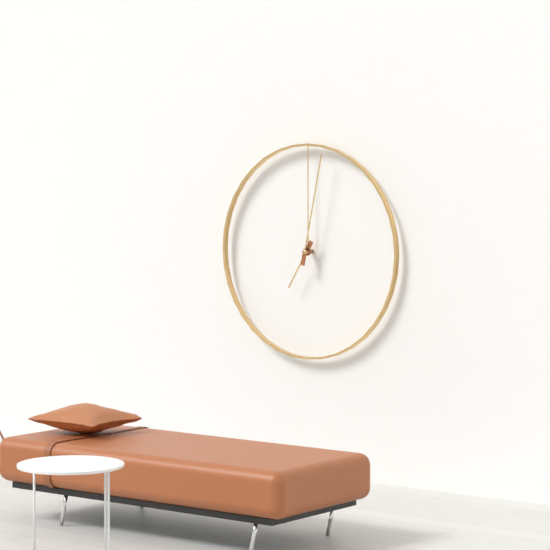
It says 7.02
